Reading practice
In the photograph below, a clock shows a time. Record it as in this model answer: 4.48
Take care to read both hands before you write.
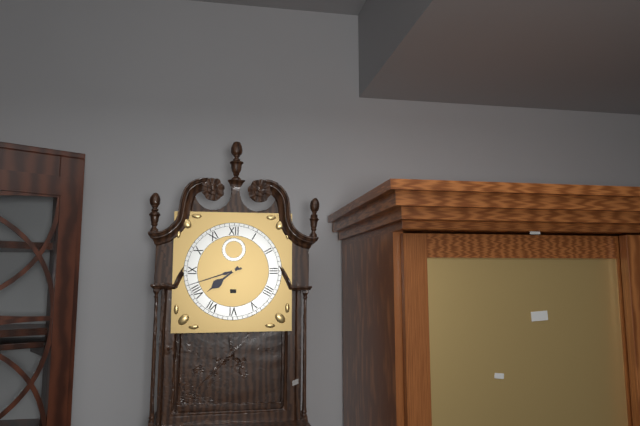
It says 7.42
